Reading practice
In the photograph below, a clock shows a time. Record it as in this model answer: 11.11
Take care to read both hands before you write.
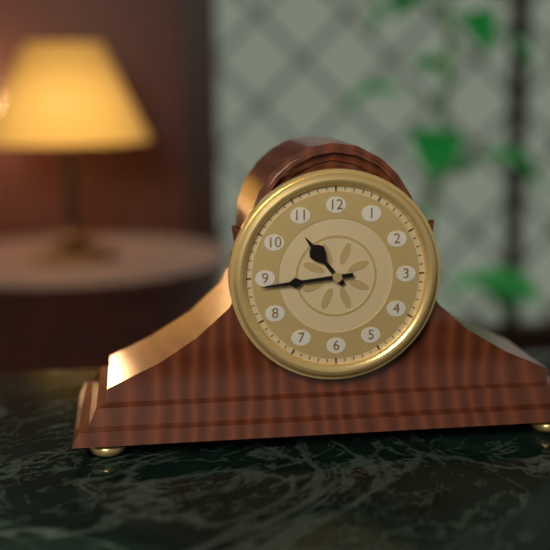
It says 10.44
